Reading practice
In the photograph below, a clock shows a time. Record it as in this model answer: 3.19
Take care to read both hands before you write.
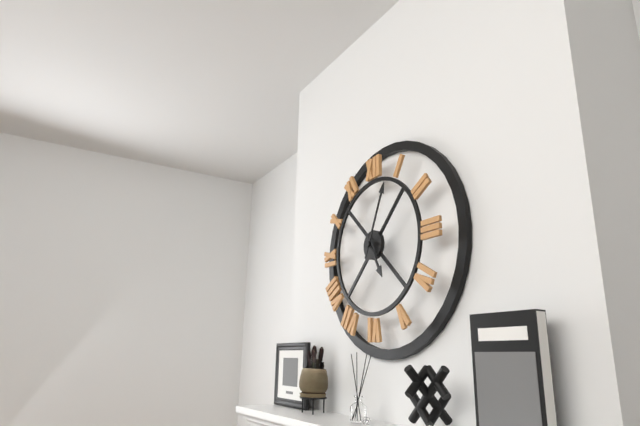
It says 5.04
